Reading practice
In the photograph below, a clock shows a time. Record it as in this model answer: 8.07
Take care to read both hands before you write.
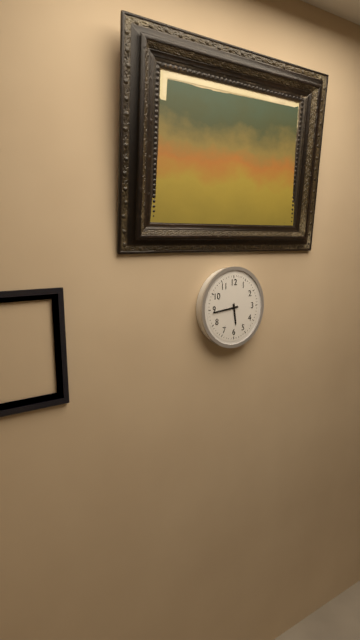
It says 5.44
